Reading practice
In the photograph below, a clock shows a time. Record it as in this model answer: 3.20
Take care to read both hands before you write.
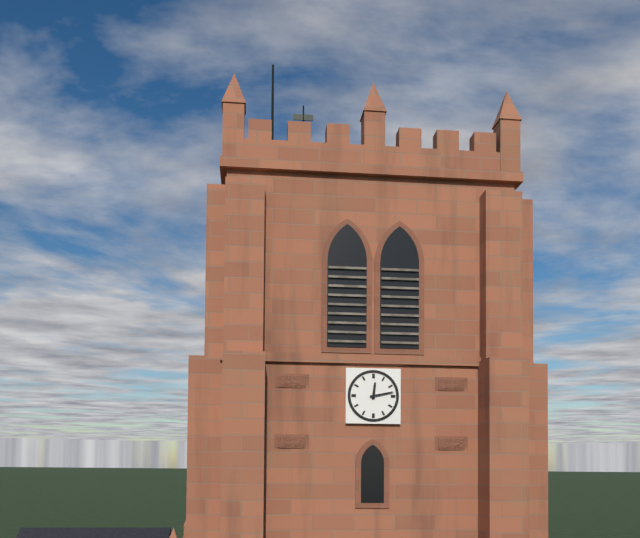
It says 12.13
